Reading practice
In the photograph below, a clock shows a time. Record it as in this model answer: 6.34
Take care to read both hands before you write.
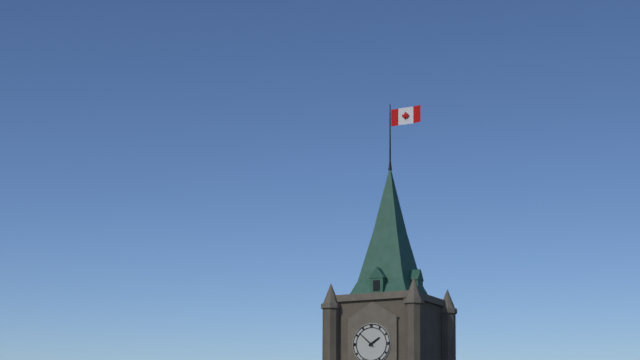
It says 1.52
